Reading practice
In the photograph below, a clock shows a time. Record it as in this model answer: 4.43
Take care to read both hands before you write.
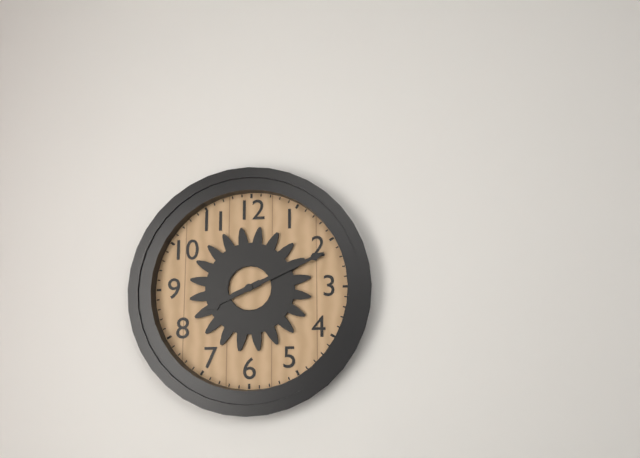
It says 8.11
